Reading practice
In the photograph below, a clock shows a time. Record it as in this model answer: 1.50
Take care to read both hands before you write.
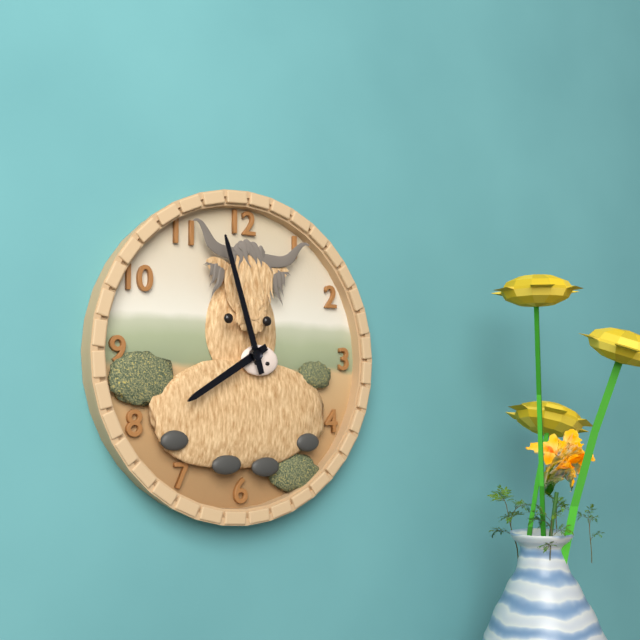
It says 7.57
